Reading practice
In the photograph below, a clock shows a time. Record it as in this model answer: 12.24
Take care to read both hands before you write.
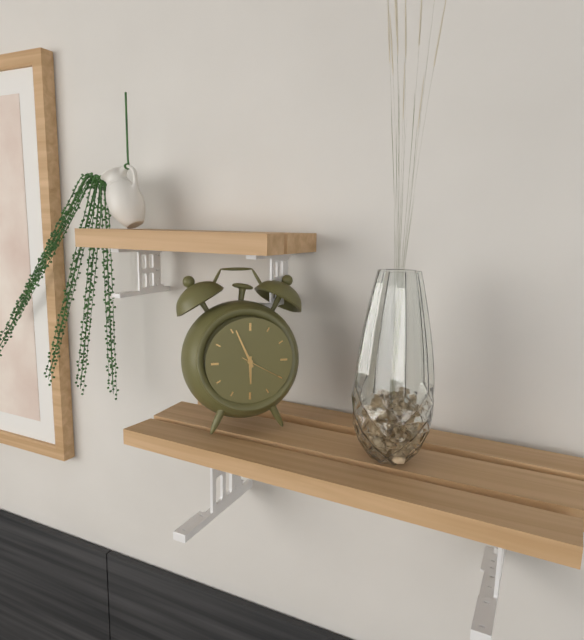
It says 5.56
